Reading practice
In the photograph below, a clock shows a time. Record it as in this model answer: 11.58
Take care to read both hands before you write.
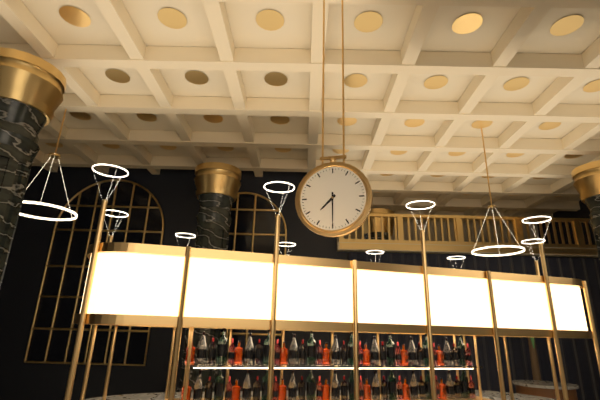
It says 7.30
